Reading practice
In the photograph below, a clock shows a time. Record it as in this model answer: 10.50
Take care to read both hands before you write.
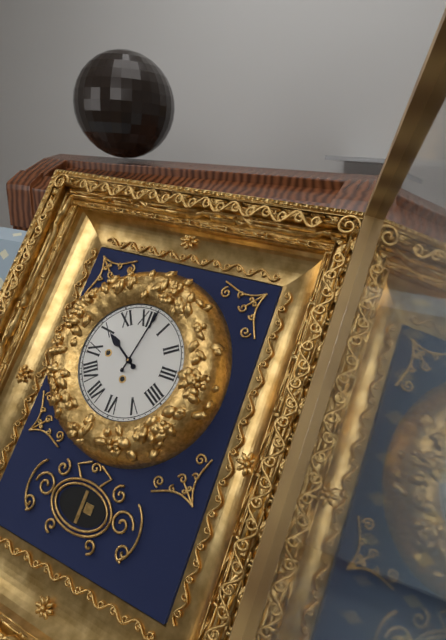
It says 10.02
